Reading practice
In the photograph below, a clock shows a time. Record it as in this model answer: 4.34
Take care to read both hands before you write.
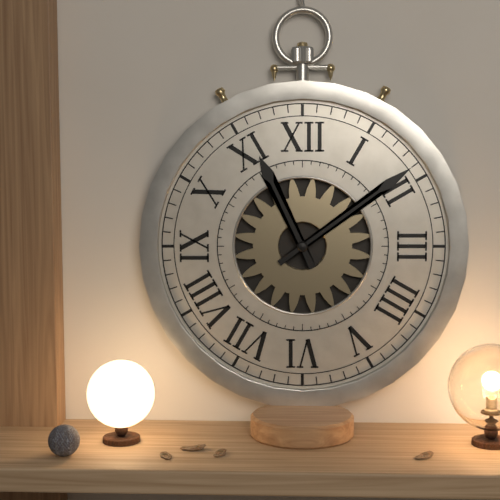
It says 11.09
